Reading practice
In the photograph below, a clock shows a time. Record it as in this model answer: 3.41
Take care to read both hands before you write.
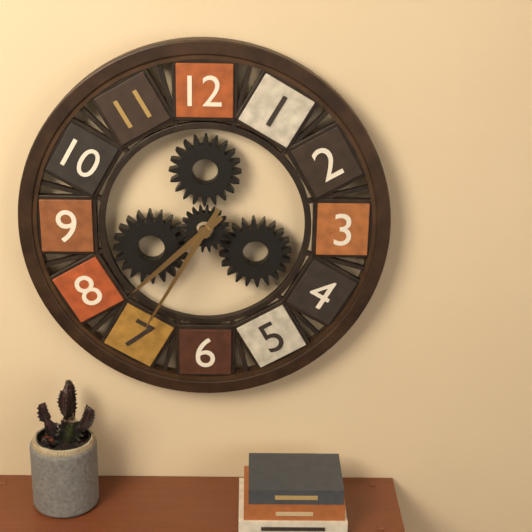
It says 7.35
